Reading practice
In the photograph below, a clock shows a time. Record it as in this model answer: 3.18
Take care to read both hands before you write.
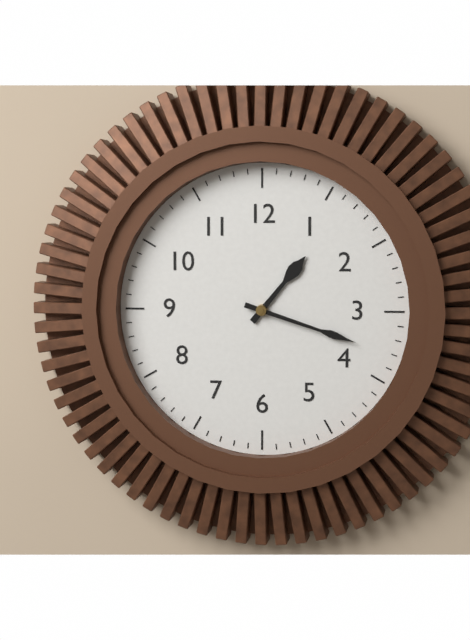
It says 1.18
